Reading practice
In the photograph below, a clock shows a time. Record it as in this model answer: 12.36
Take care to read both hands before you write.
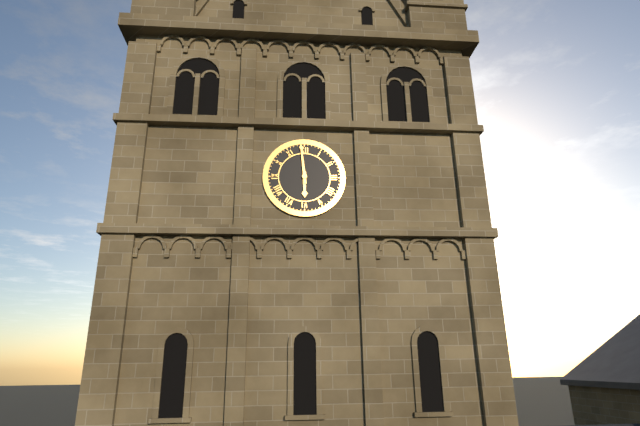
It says 5.59
